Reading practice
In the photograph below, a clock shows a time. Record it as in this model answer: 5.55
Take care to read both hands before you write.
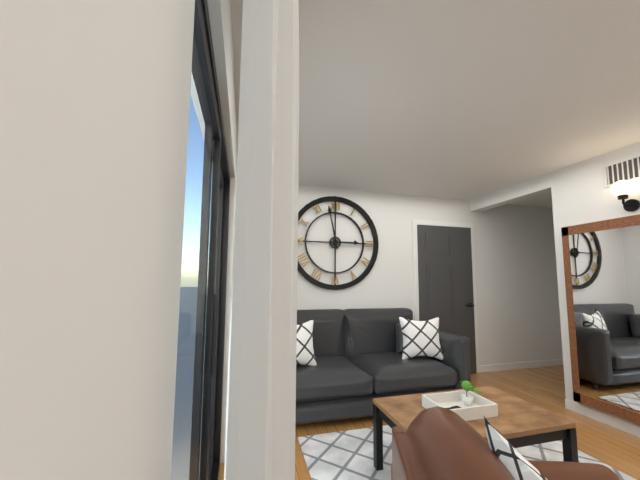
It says 2.58
